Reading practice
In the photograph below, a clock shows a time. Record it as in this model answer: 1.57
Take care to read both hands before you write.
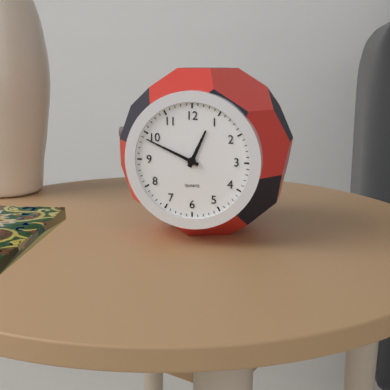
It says 12.49
